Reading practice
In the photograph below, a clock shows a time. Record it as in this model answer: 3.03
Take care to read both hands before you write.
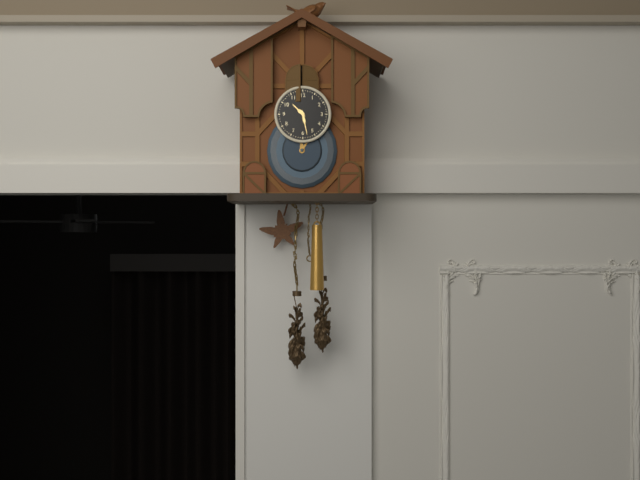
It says 10.28
